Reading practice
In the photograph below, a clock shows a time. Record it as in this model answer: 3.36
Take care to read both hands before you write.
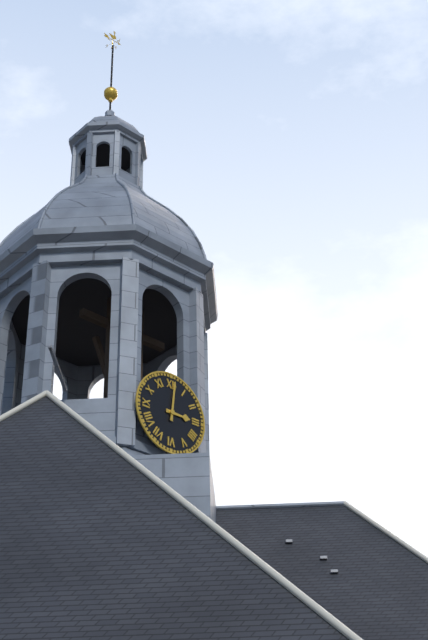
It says 3.01
